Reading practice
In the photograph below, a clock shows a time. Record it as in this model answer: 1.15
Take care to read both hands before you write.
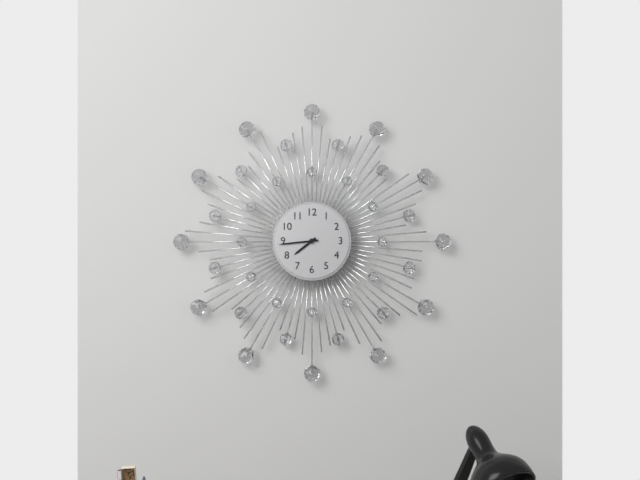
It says 7.44
